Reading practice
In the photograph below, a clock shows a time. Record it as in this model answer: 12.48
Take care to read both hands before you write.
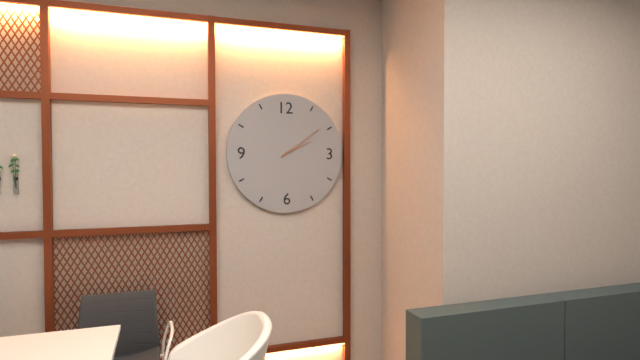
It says 2.09
